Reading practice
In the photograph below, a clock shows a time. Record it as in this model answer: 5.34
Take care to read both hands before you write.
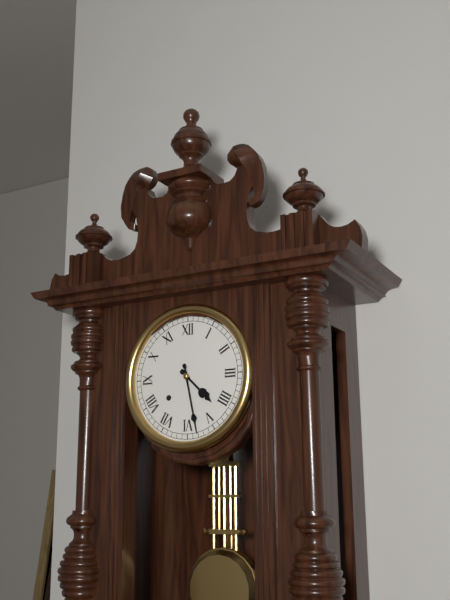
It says 4.28
